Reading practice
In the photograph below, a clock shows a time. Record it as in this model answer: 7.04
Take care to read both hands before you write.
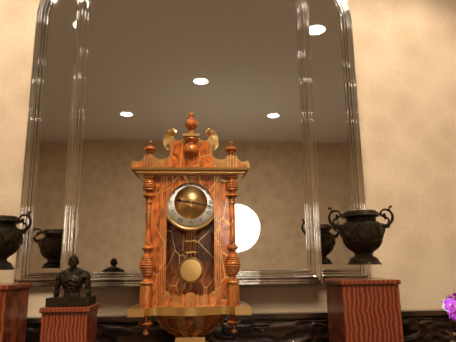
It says 9.17
